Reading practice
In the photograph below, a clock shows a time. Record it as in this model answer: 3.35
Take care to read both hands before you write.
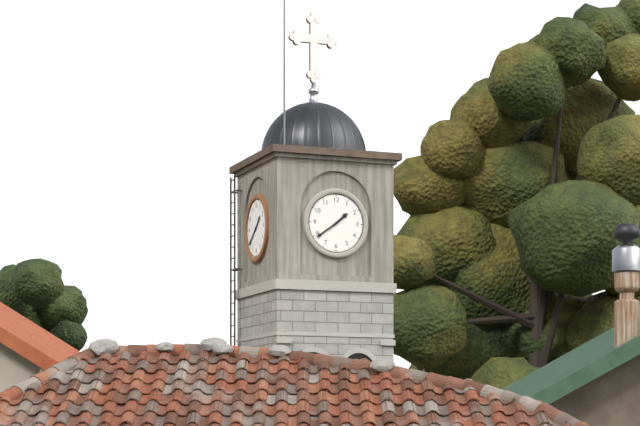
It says 1.39
